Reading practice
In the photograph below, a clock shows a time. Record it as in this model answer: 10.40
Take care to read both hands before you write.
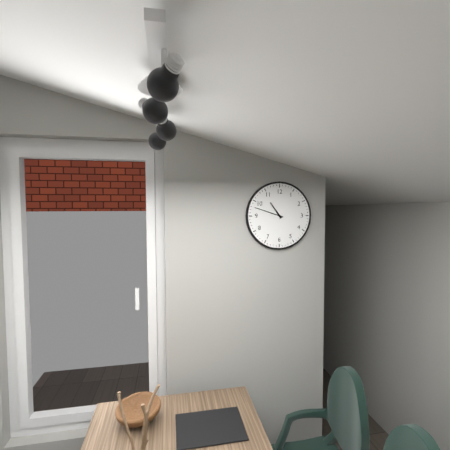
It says 10.48
